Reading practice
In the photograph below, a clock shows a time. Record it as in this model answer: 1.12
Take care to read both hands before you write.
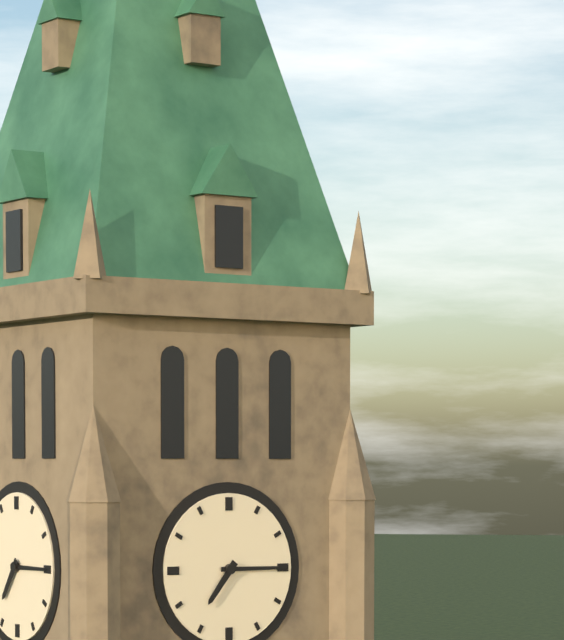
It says 7.15
